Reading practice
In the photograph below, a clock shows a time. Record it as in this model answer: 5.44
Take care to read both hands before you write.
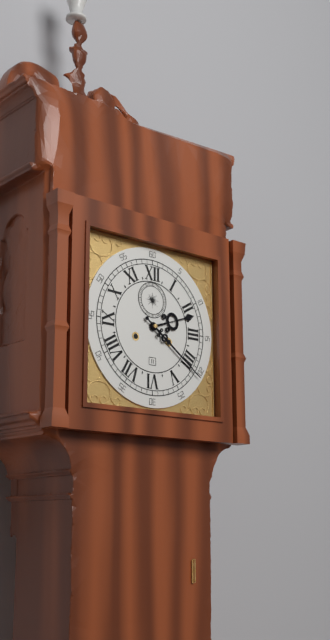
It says 2.21
